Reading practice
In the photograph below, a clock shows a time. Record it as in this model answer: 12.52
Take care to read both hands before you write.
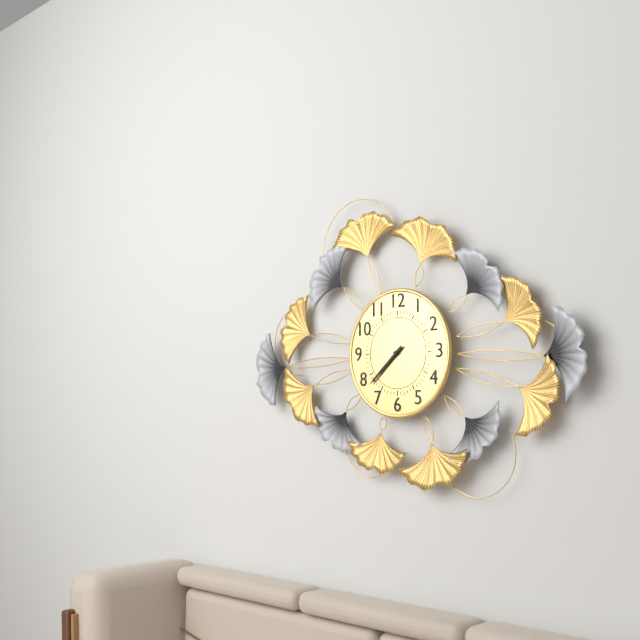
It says 7.38
